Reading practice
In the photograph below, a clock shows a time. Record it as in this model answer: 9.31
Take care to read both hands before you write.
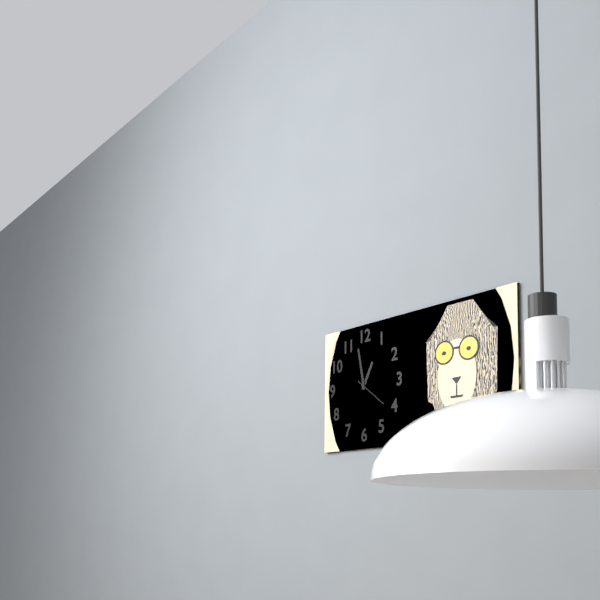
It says 12.58
